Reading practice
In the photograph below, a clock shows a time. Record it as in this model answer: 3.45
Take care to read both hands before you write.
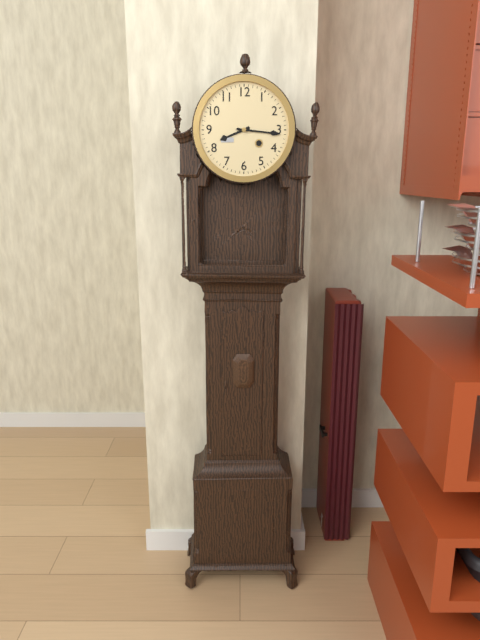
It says 8.16
